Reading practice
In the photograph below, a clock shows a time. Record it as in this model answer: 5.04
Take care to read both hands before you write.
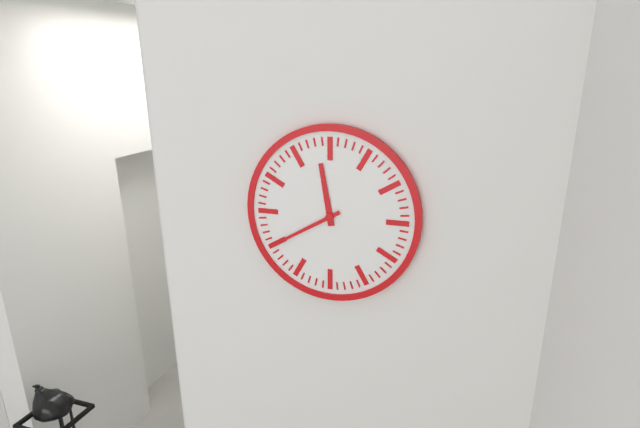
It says 11.40
